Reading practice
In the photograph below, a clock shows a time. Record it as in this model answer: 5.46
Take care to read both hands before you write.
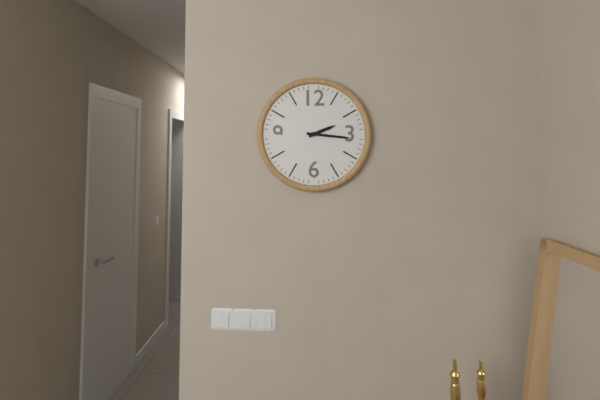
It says 2.16
